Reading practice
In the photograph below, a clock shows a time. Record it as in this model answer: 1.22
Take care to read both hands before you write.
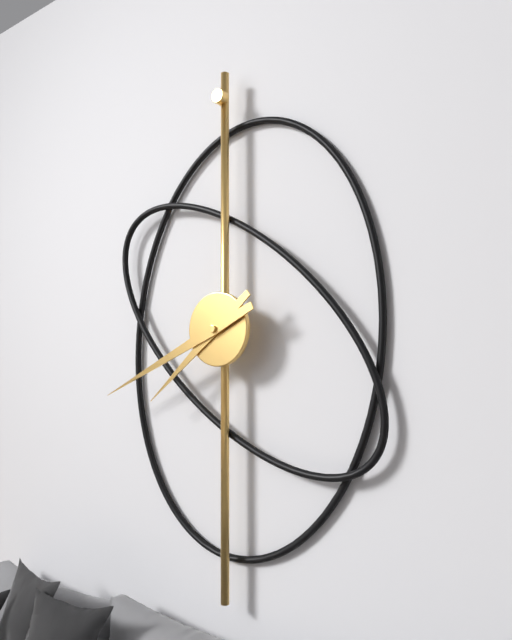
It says 7.41
